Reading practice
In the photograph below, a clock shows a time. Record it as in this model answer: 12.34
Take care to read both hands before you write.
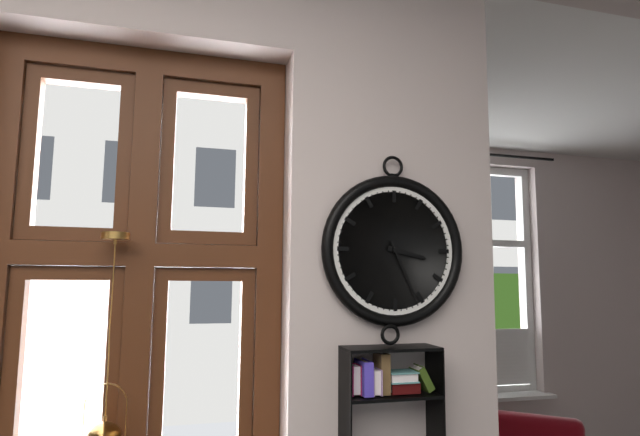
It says 3.26
